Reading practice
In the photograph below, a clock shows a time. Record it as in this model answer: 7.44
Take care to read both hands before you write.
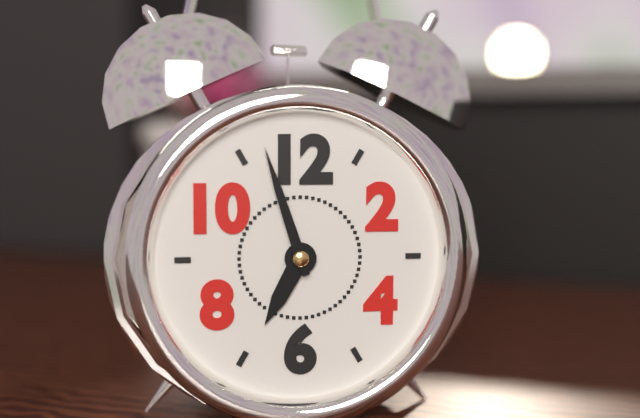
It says 6.57
